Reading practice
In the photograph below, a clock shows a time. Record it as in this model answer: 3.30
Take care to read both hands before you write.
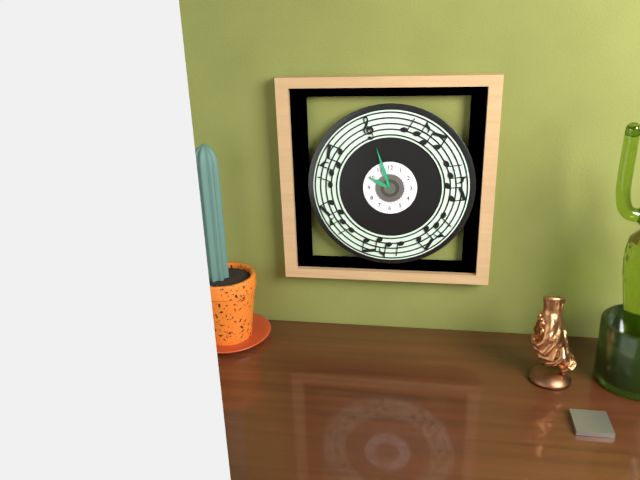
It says 9.57
